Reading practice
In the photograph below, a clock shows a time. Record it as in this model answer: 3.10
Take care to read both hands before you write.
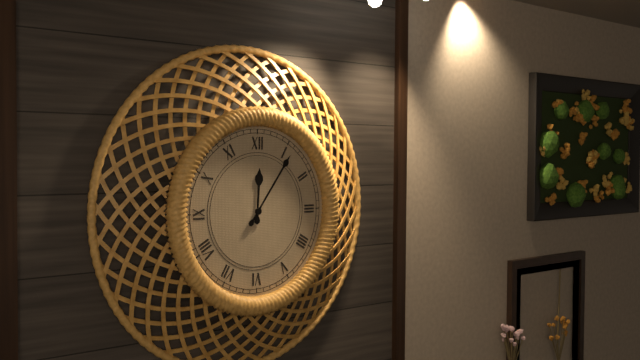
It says 12.06
